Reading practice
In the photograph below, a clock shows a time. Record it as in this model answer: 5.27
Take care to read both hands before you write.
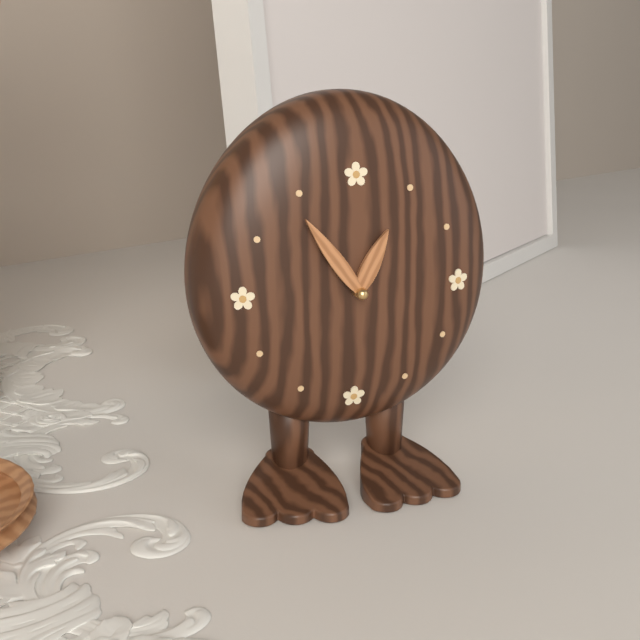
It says 12.54
